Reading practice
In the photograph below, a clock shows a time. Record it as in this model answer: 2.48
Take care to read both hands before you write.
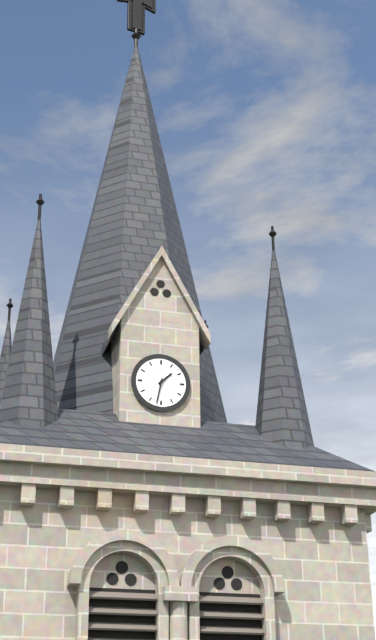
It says 1.32
